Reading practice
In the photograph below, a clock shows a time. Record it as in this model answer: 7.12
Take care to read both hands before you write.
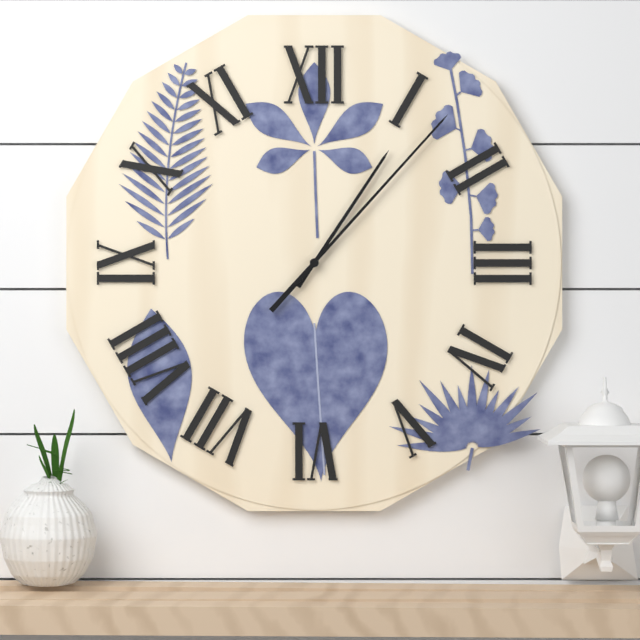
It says 1.07
